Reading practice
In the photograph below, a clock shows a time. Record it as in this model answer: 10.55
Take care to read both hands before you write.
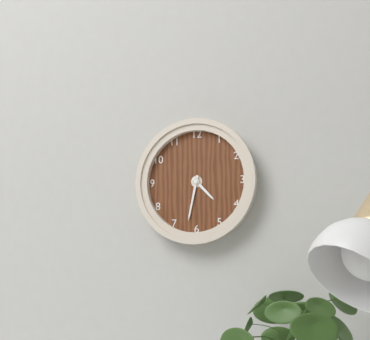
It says 4.32
